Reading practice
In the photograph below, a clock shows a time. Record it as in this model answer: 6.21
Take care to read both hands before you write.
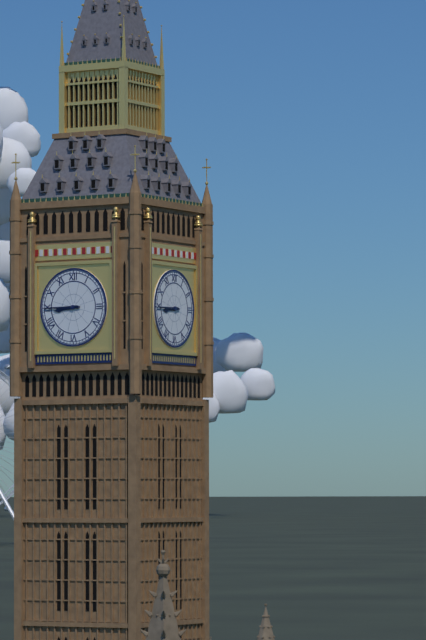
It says 8.45
